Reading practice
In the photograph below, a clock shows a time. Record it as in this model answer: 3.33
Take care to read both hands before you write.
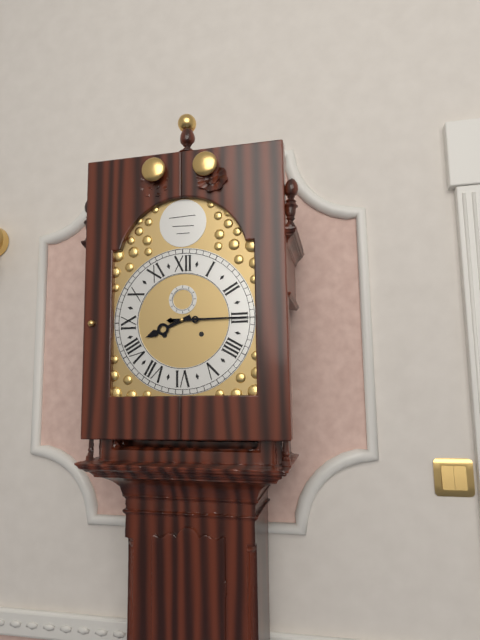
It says 8.15
